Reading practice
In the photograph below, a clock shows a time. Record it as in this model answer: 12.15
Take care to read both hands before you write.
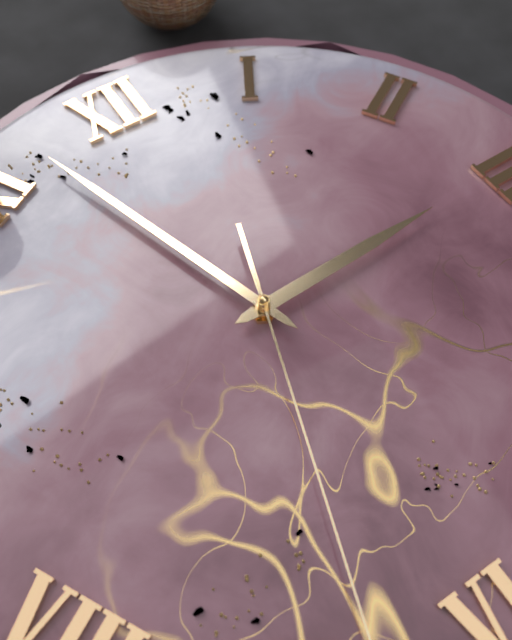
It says 2.57
